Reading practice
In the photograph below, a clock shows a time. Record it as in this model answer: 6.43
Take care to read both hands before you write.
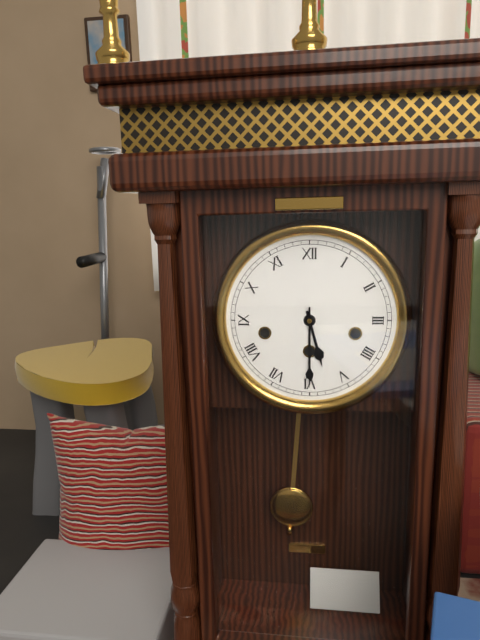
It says 5.30
